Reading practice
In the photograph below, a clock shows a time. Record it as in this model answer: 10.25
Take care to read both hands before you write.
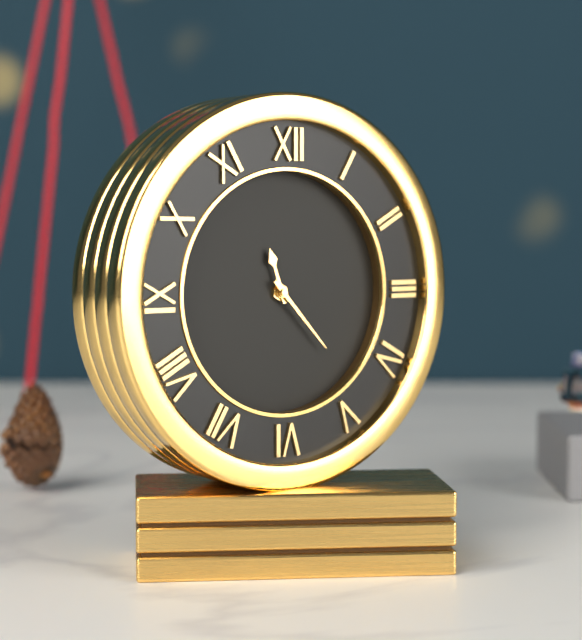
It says 11.23
